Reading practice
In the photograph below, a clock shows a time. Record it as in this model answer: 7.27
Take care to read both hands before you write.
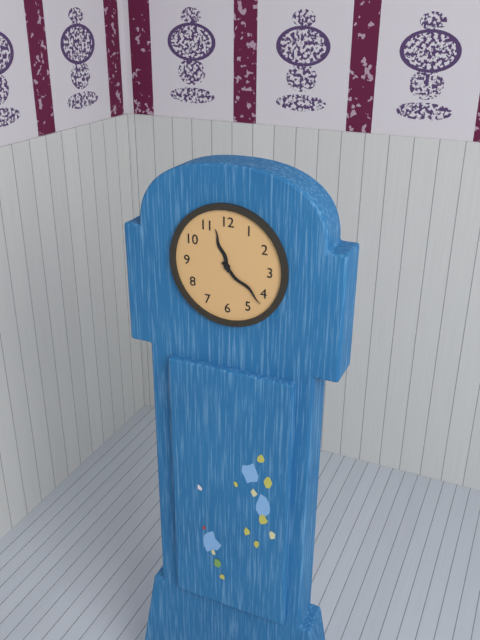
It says 11.22
